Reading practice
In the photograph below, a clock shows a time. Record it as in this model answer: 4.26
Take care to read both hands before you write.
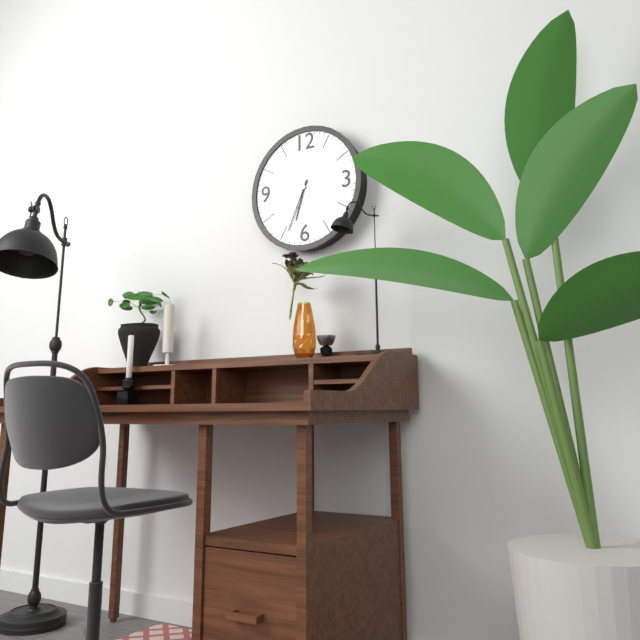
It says 6.34
